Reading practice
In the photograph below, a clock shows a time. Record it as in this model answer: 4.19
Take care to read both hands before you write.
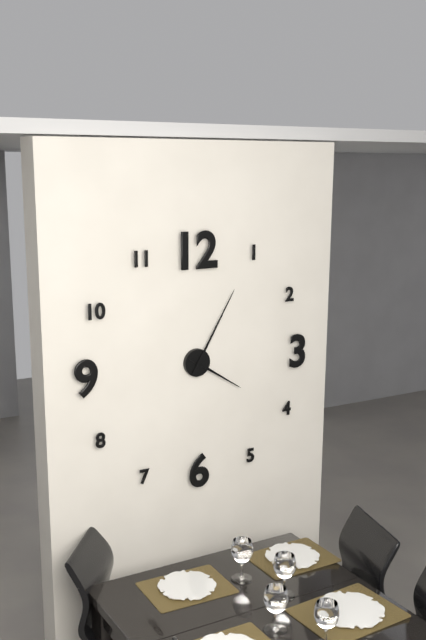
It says 4.05
